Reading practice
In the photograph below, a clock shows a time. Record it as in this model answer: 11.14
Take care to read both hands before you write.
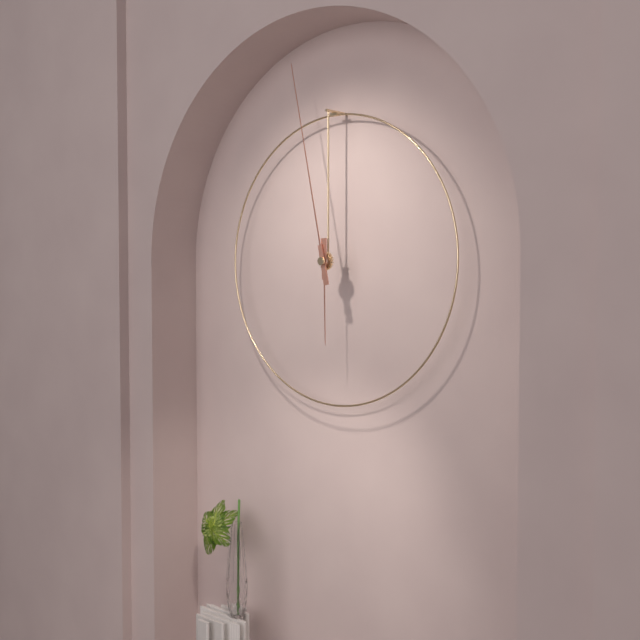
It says 5.58
